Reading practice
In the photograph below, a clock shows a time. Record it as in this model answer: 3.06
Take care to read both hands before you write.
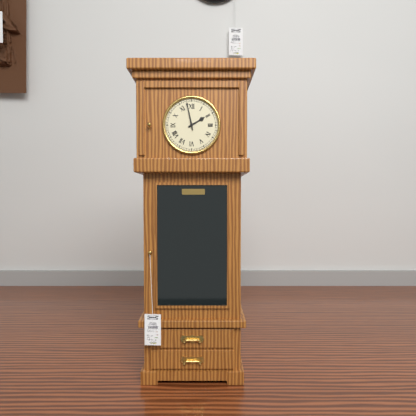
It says 1.58
